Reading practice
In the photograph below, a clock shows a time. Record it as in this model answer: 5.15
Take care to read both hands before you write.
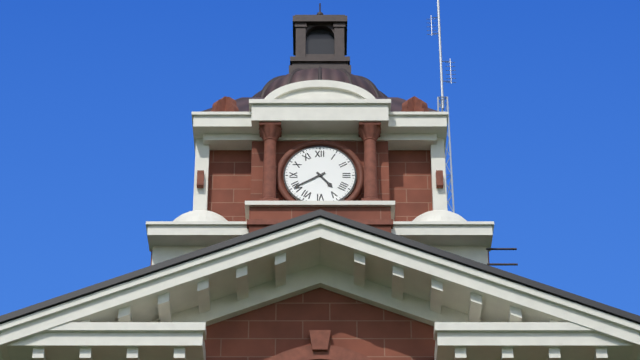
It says 4.40
